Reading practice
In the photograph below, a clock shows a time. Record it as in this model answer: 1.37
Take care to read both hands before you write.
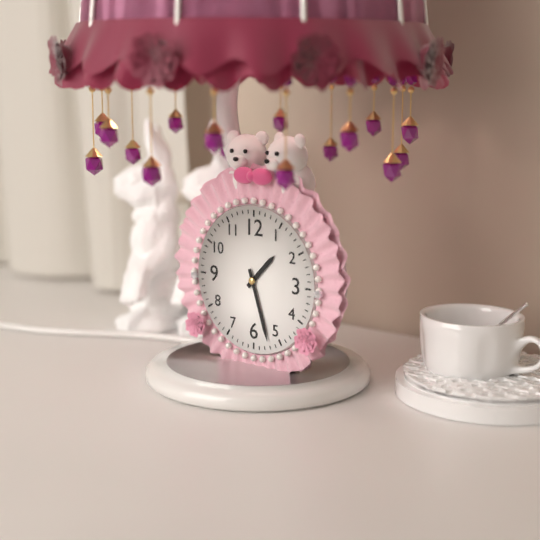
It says 1.27
